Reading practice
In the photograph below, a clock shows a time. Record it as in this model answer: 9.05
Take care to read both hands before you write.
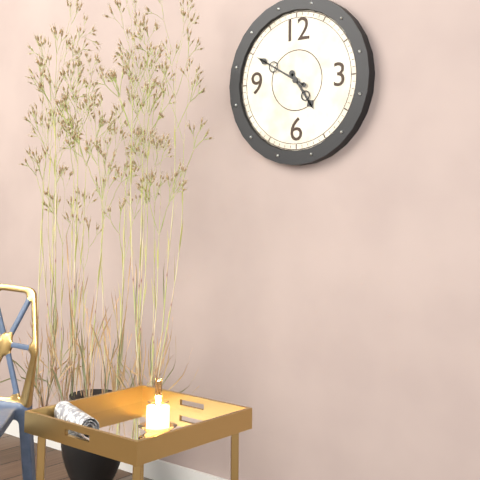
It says 4.50
